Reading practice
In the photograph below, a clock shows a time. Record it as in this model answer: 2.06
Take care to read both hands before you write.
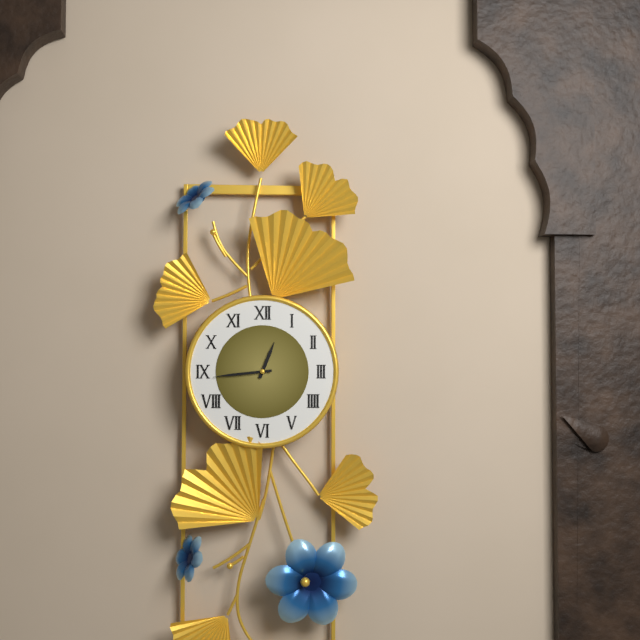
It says 12.44
